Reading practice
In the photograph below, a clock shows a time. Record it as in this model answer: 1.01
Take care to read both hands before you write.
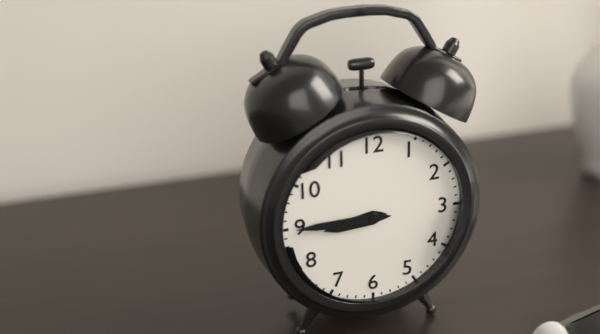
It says 8.45
